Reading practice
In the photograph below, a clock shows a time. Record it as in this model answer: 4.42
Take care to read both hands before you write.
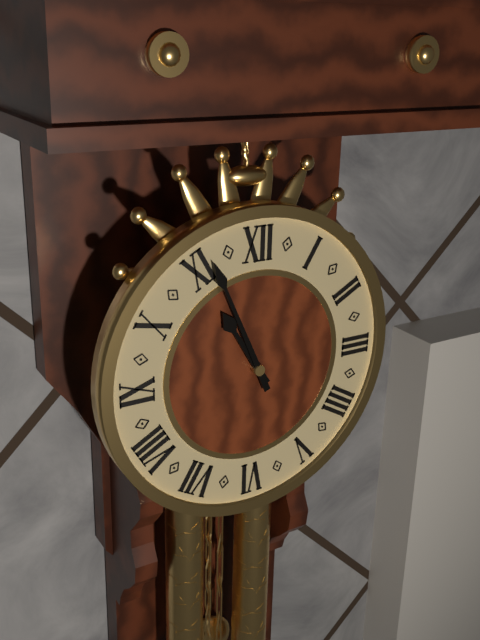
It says 10.56
